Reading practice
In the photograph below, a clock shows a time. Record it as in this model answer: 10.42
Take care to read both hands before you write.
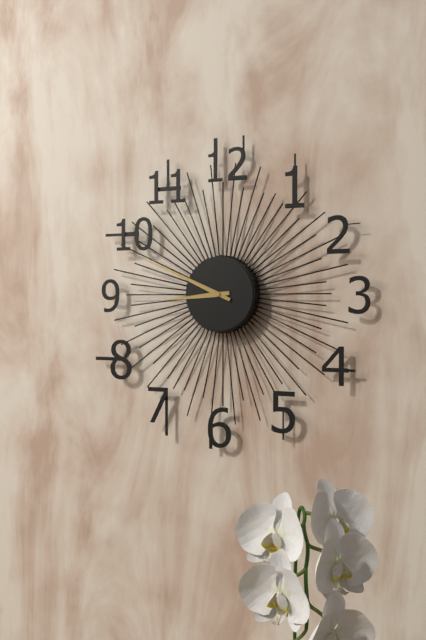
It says 8.49
